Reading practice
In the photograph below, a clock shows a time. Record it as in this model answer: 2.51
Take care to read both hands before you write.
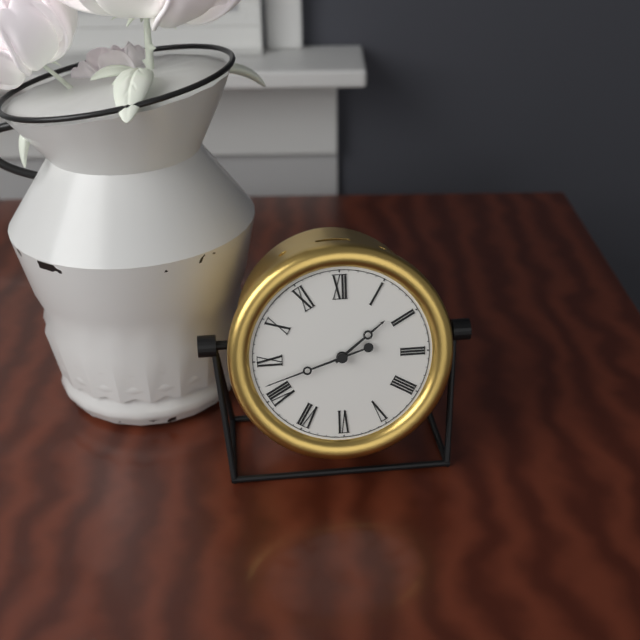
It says 1.42
